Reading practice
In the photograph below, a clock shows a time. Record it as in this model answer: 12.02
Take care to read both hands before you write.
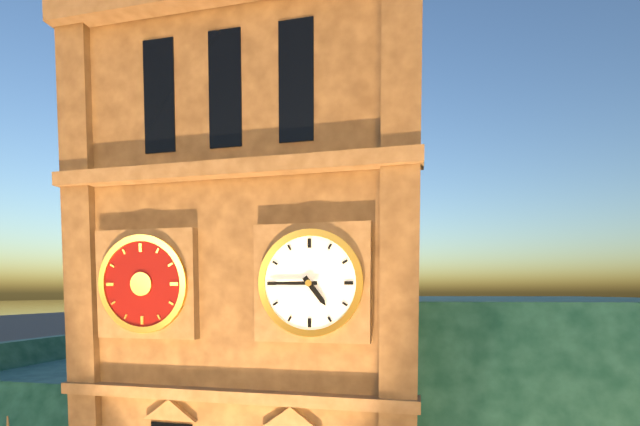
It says 4.45
